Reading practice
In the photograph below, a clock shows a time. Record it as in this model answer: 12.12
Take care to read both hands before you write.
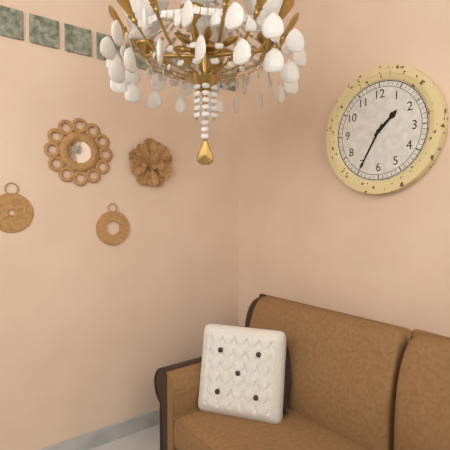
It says 1.35
